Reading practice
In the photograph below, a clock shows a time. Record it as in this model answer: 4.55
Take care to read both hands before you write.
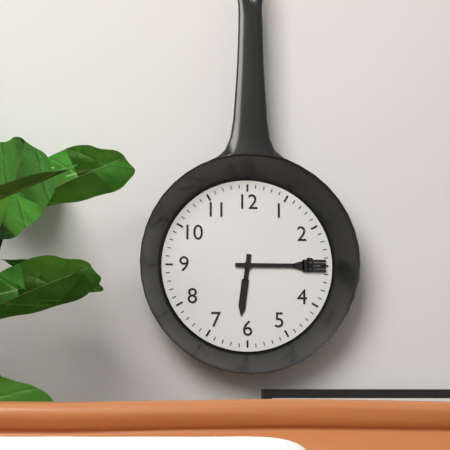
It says 6.15
